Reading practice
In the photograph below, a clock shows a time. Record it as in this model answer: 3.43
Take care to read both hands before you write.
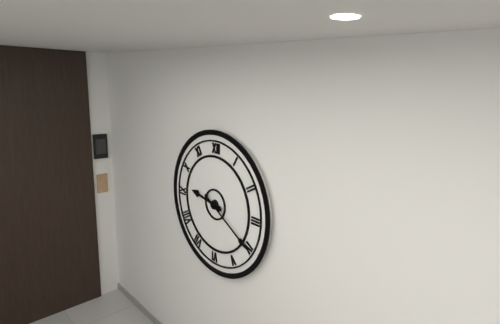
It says 9.20
